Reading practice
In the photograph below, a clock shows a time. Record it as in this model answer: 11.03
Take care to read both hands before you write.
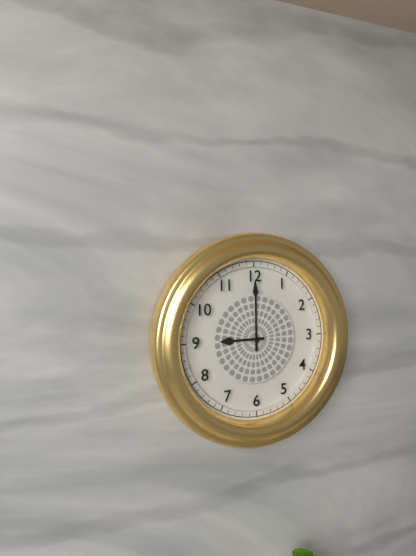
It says 9.00
